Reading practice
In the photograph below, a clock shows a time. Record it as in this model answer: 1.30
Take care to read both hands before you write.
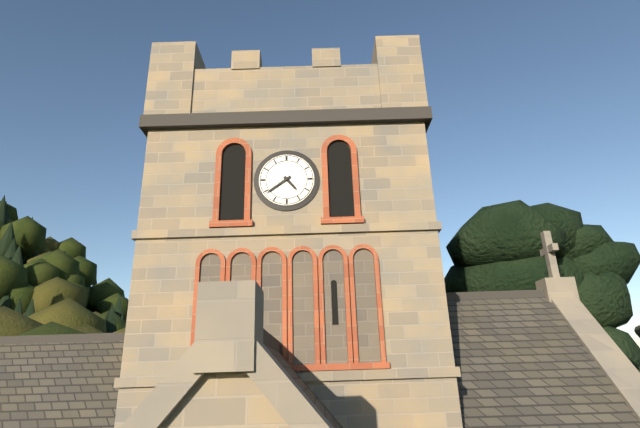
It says 4.39
